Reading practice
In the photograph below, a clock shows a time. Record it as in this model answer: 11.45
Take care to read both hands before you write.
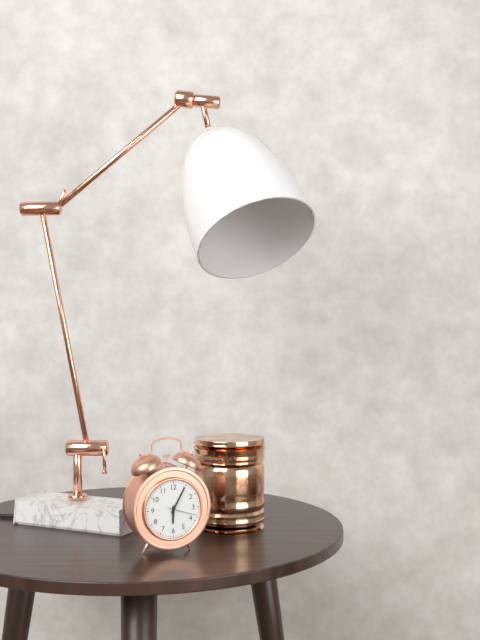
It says 6.05
